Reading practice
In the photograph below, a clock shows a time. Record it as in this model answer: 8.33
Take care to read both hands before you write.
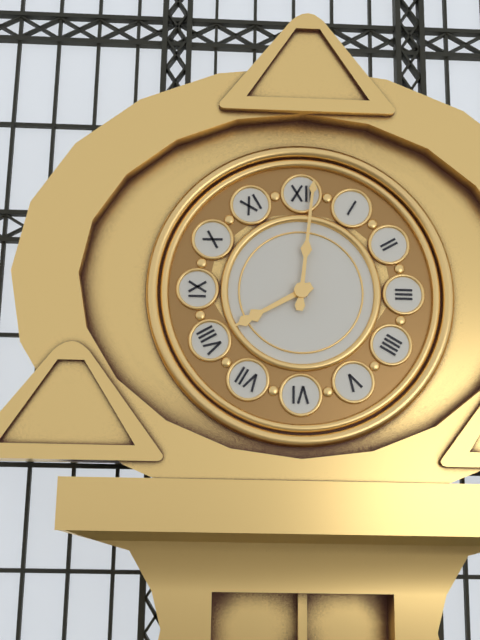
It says 8.01
